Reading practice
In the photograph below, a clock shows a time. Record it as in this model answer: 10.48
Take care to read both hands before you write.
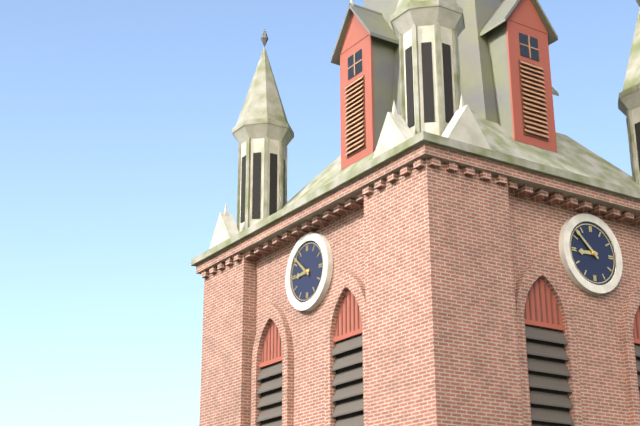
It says 8.52
